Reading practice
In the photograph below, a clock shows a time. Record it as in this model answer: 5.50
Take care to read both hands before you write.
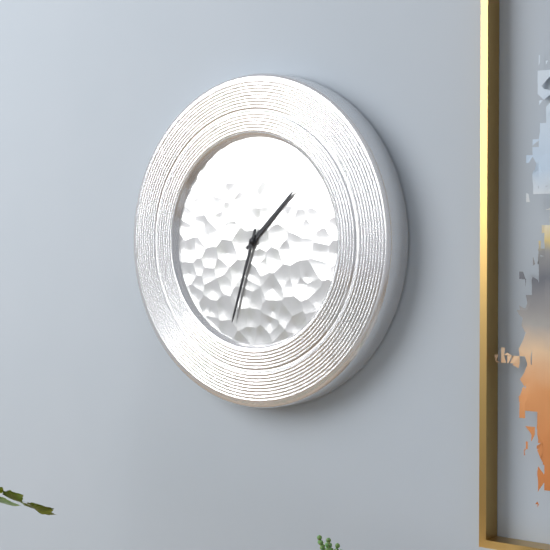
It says 1.33
